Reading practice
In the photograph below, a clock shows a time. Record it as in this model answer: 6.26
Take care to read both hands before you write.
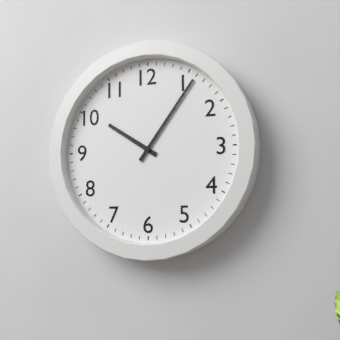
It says 10.06
